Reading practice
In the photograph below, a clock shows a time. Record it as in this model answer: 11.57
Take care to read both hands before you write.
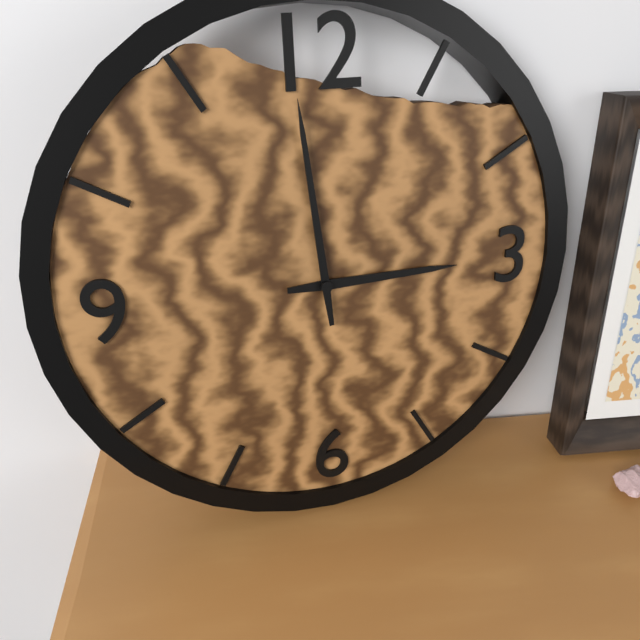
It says 2.59
